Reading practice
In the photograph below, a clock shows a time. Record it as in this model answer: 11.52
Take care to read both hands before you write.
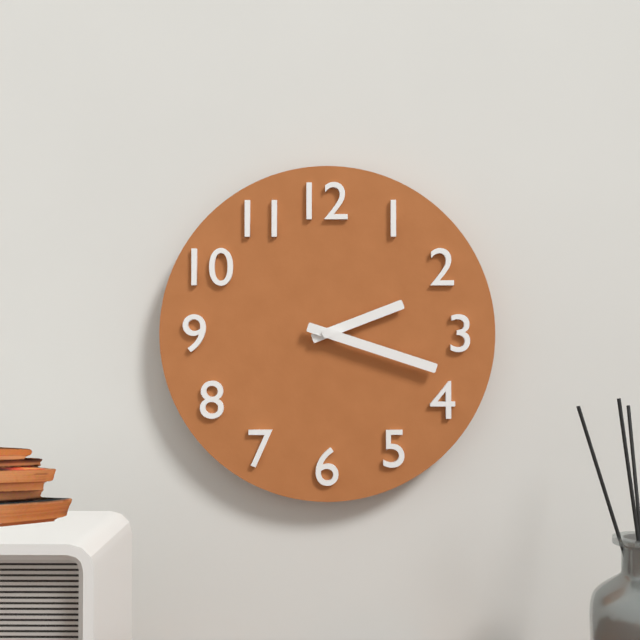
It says 2.18
